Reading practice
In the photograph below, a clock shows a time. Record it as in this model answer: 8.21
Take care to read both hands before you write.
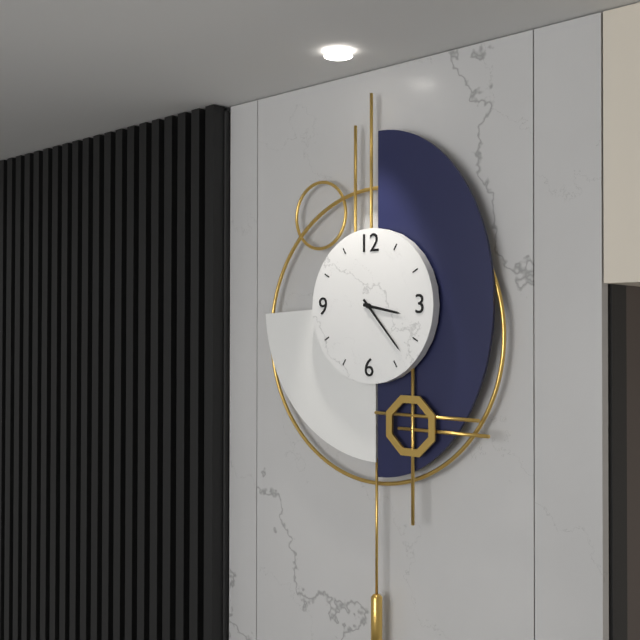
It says 3.23
